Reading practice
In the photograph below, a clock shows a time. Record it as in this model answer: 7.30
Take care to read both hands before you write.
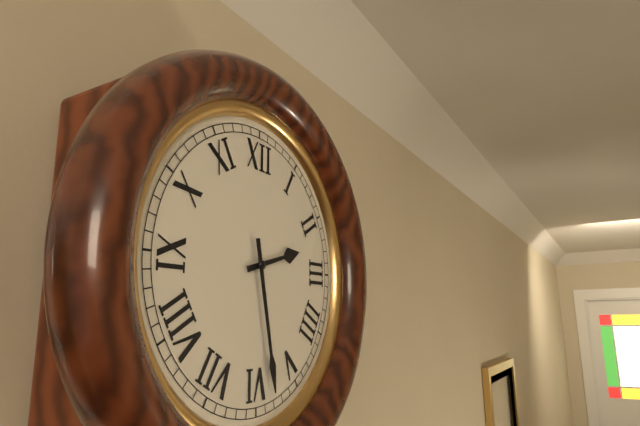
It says 2.28
